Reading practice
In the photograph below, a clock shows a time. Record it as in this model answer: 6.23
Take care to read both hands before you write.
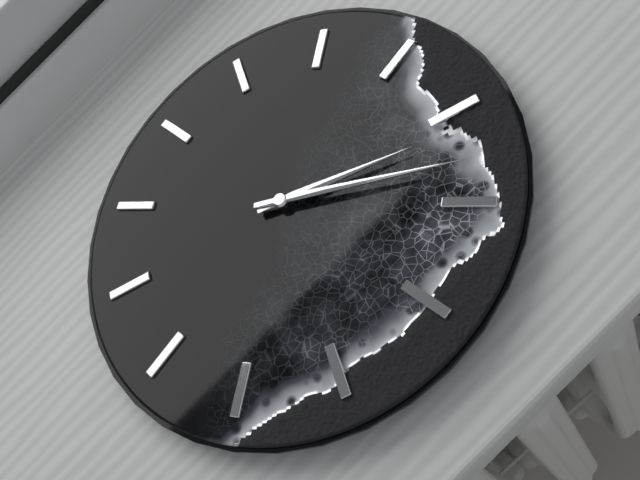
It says 2.13
